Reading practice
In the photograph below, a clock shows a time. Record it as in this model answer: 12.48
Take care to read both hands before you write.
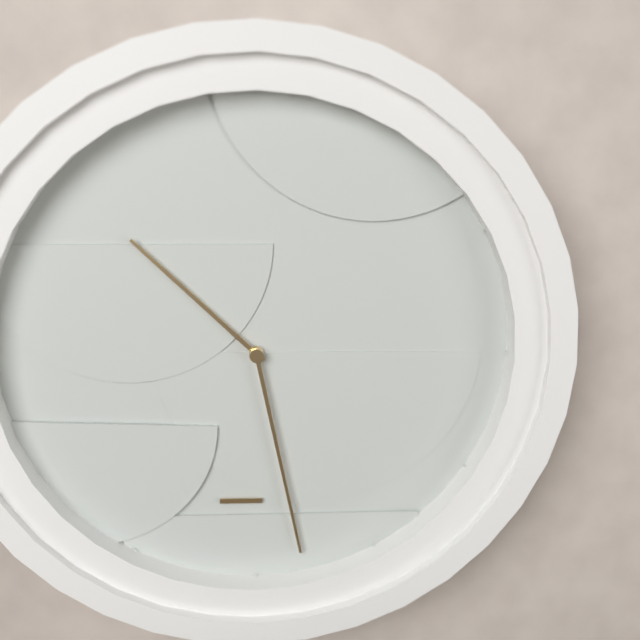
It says 10.28
